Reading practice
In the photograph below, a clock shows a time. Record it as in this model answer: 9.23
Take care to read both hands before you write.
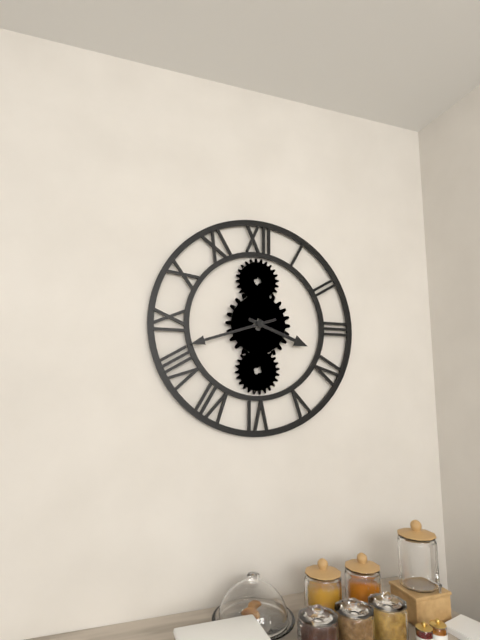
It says 3.42
